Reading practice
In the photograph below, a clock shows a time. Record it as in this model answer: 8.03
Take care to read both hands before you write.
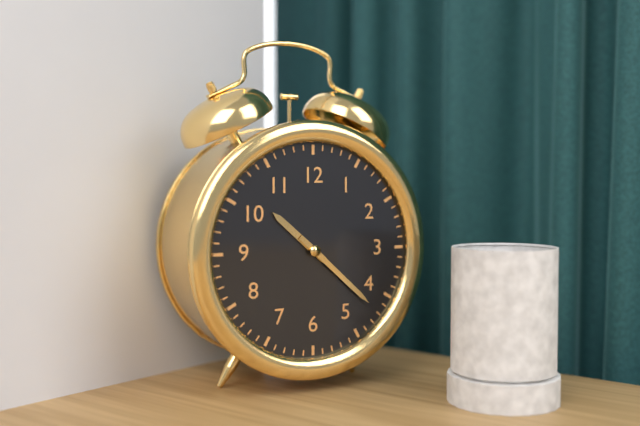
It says 10.22
